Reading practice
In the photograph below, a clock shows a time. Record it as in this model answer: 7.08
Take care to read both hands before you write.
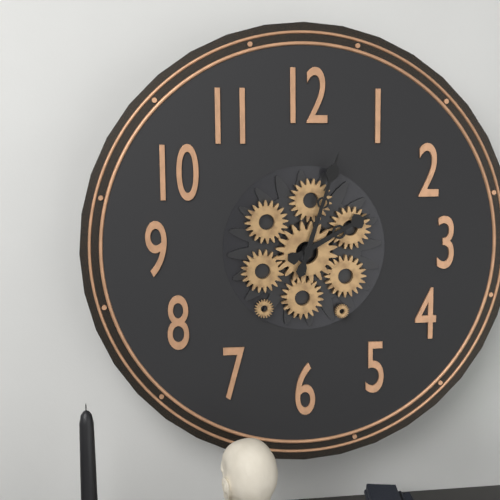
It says 2.03
